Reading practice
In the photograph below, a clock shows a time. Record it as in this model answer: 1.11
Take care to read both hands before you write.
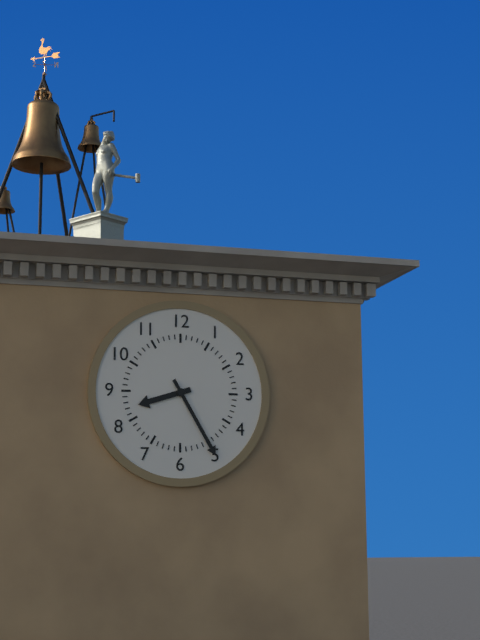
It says 8.25
